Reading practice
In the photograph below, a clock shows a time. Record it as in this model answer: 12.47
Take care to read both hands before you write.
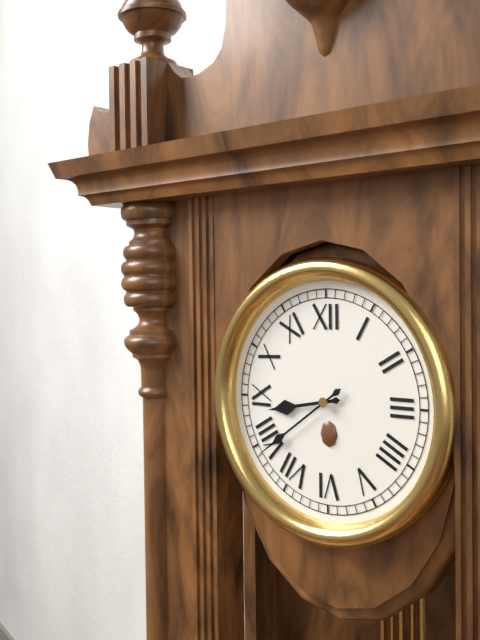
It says 8.39
